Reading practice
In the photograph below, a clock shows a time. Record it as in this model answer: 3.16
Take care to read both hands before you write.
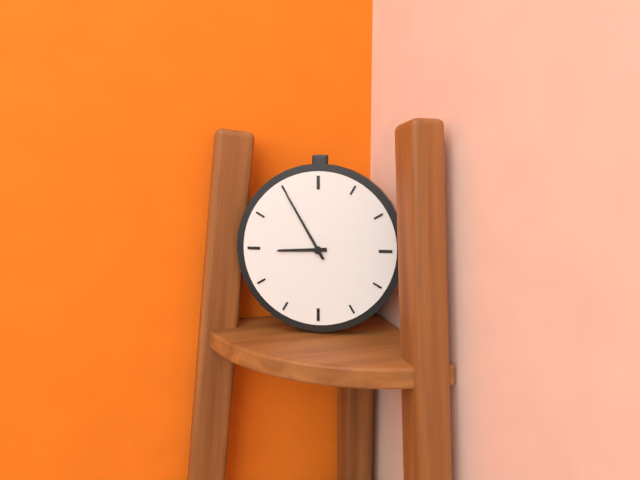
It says 8.55
